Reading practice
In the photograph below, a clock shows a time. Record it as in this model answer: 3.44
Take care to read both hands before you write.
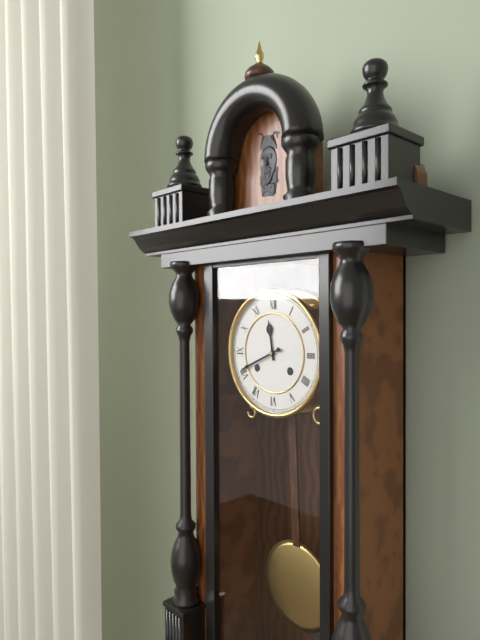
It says 11.41
